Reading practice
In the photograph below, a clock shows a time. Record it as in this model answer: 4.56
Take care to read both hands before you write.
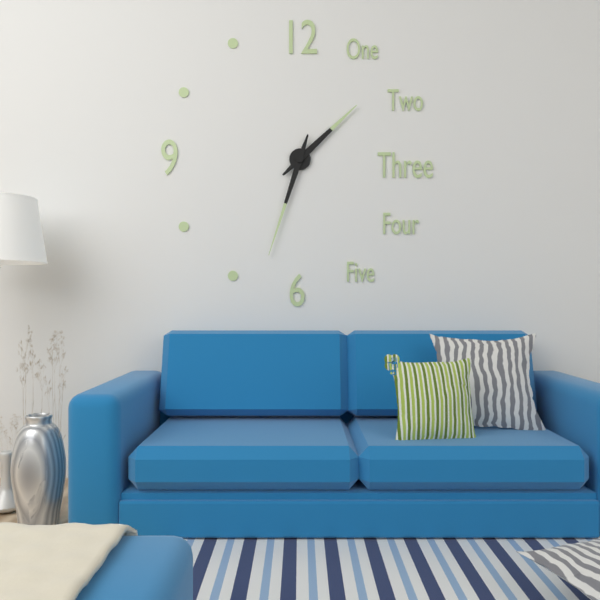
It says 1.33
